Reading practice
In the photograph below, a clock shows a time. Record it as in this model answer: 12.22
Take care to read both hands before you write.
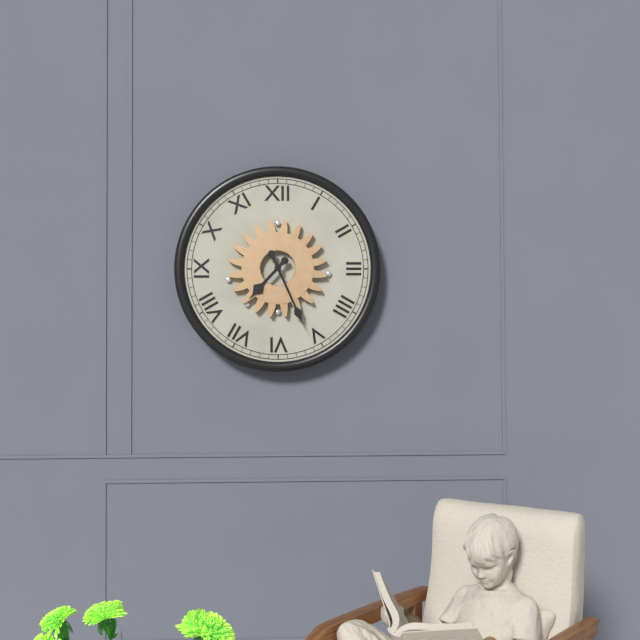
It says 7.26
